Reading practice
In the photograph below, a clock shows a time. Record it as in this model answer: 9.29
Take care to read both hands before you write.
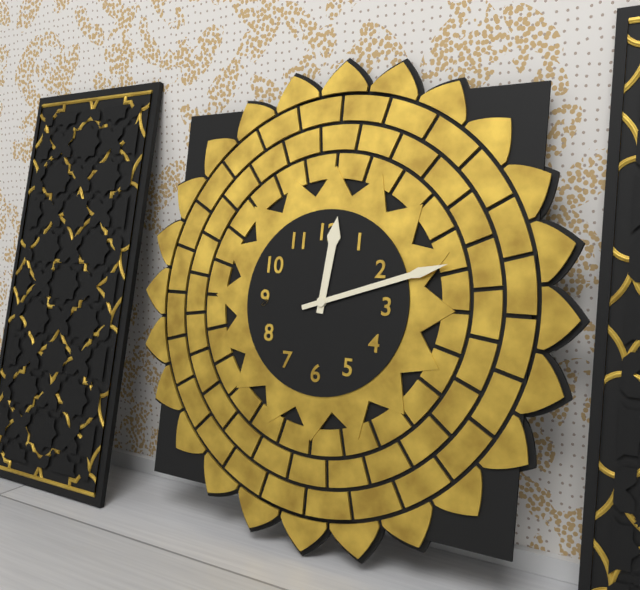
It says 12.12
